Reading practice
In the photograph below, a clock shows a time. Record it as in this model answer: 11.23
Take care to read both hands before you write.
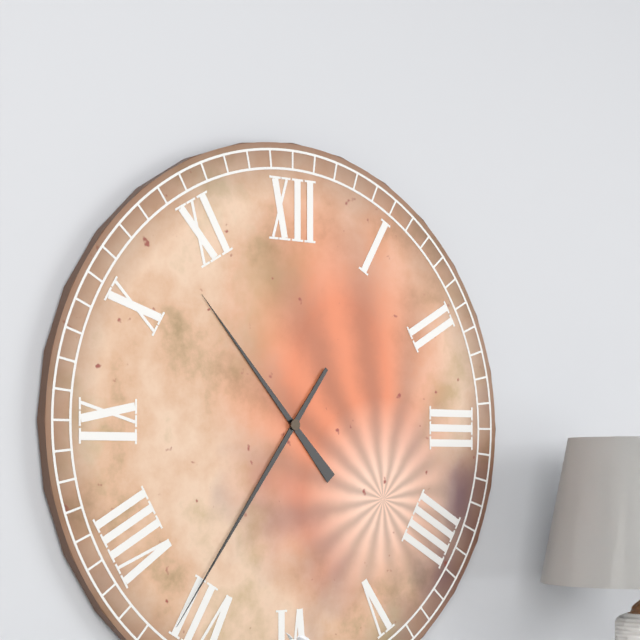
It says 10.36
